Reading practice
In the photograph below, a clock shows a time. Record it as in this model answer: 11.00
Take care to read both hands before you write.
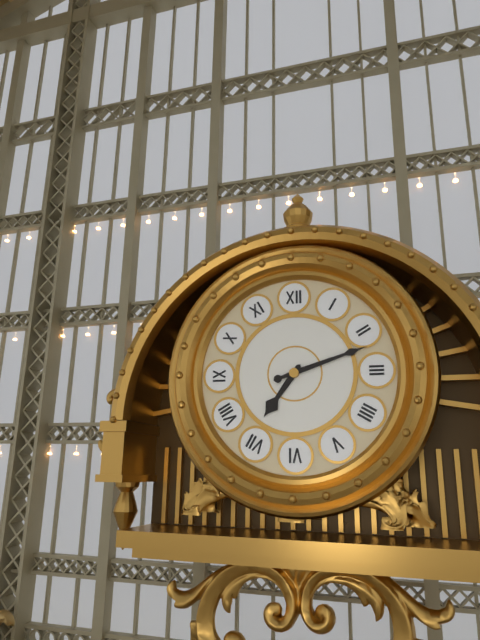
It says 7.12
